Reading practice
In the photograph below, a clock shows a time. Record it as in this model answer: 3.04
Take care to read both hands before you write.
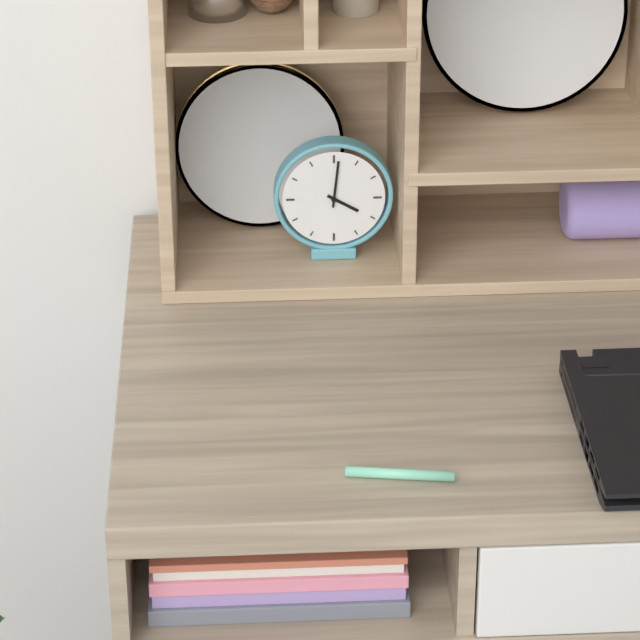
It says 4.01
